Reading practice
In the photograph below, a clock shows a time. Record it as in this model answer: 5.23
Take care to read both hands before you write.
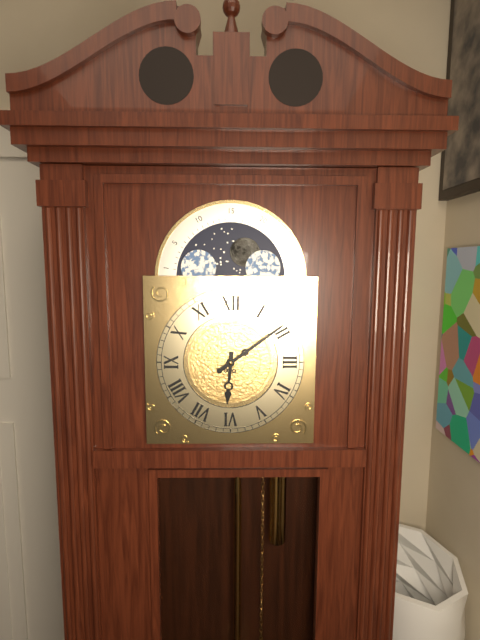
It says 6.09
